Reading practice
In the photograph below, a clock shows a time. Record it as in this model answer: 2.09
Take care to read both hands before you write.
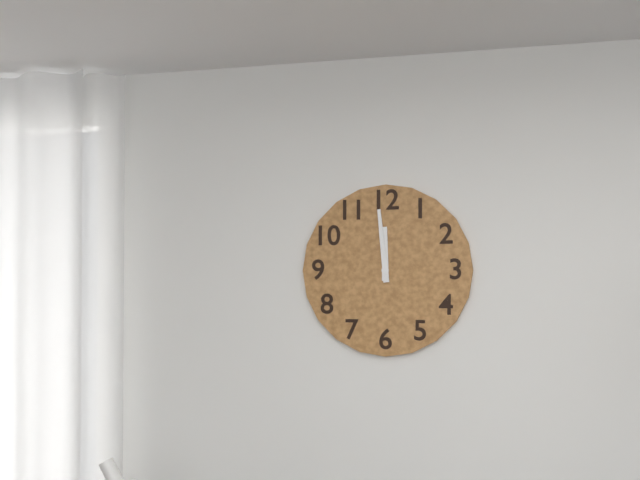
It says 11.59
